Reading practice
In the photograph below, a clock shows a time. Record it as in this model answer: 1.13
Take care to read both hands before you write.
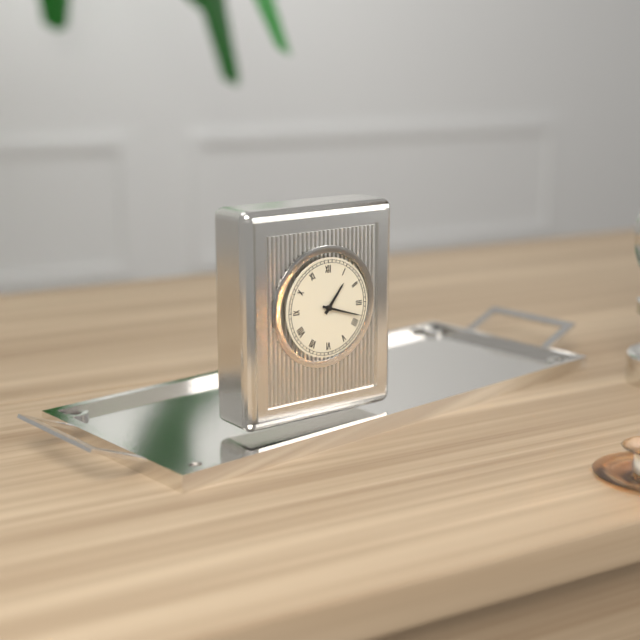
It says 1.18
